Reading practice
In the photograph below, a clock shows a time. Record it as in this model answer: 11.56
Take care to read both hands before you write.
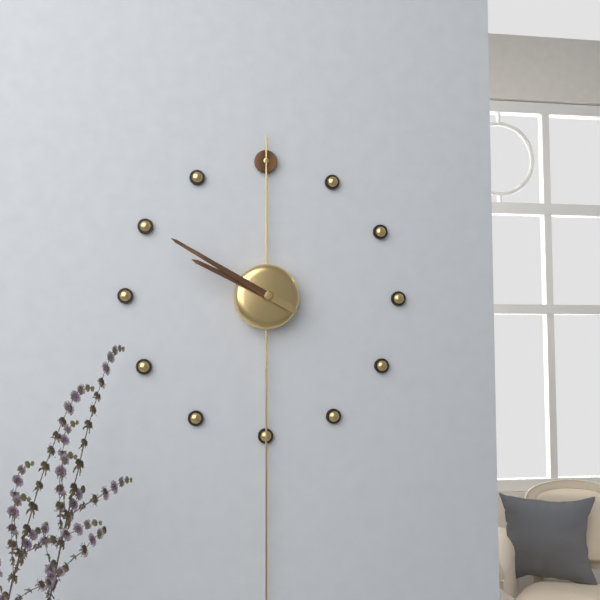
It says 9.50
